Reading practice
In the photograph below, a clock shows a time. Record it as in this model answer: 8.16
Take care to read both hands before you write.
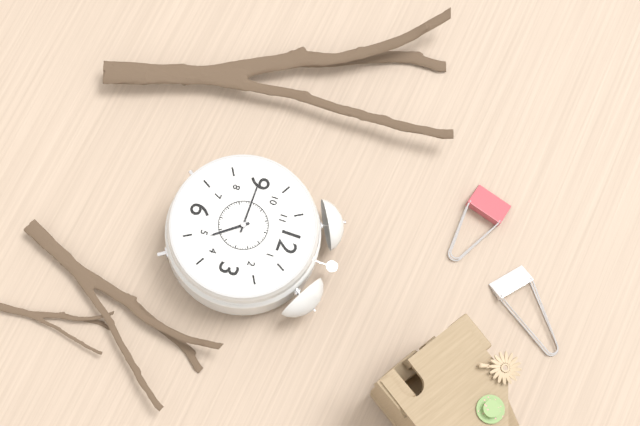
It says 4.45
